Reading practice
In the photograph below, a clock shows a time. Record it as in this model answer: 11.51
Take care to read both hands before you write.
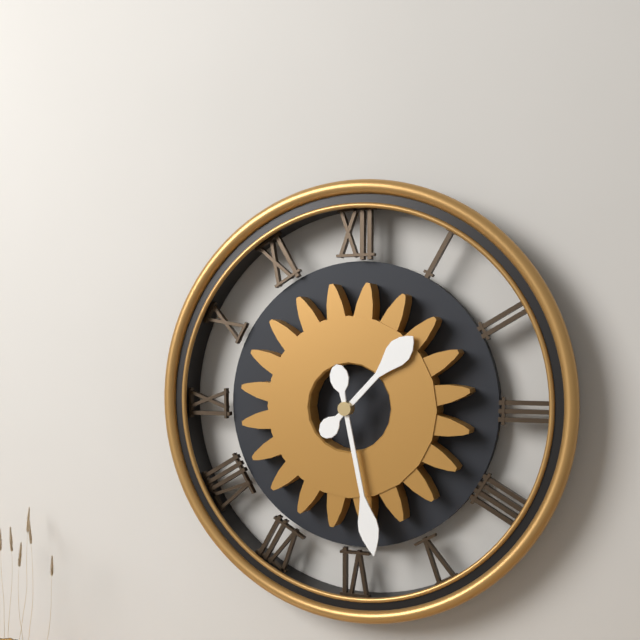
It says 1.28
